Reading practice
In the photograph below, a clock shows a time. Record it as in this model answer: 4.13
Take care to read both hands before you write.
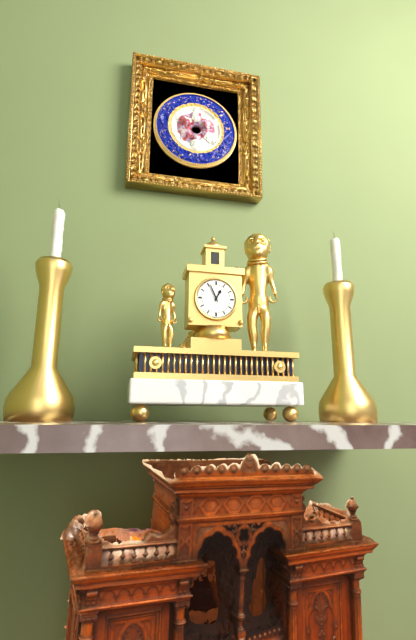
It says 12.56
